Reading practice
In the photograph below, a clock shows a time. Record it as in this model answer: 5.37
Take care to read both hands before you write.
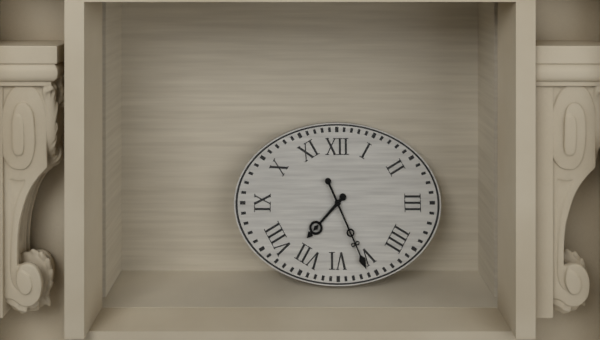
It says 7.26
